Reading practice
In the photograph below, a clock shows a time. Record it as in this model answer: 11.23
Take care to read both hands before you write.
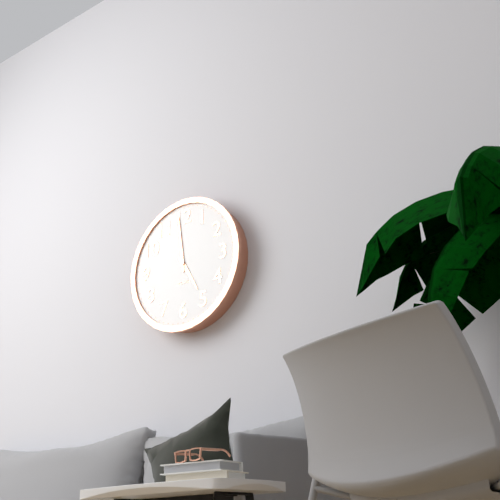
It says 4.59
